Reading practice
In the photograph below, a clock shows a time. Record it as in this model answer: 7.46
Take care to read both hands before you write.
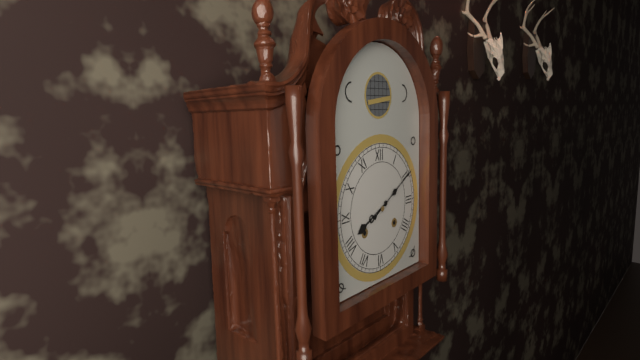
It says 8.10
